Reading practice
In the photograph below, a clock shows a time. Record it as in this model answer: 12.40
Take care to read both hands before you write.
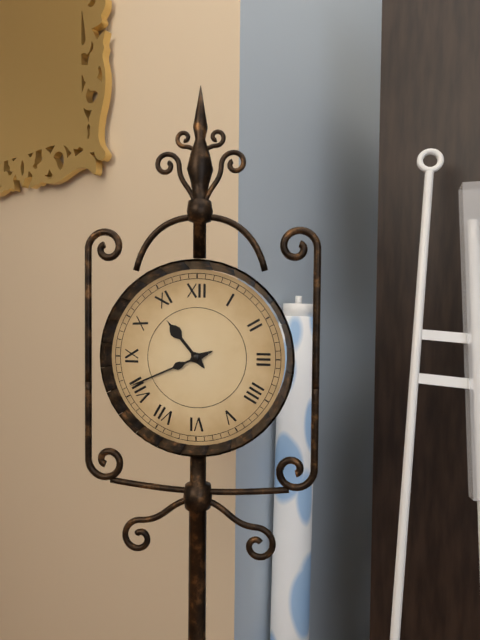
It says 10.41
